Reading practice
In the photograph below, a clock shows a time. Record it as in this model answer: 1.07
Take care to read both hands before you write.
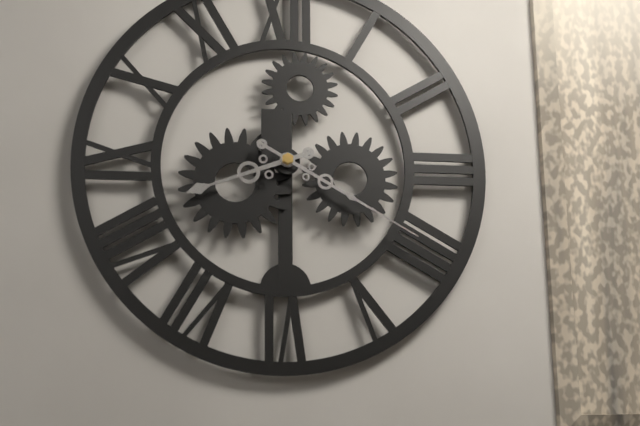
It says 8.20
